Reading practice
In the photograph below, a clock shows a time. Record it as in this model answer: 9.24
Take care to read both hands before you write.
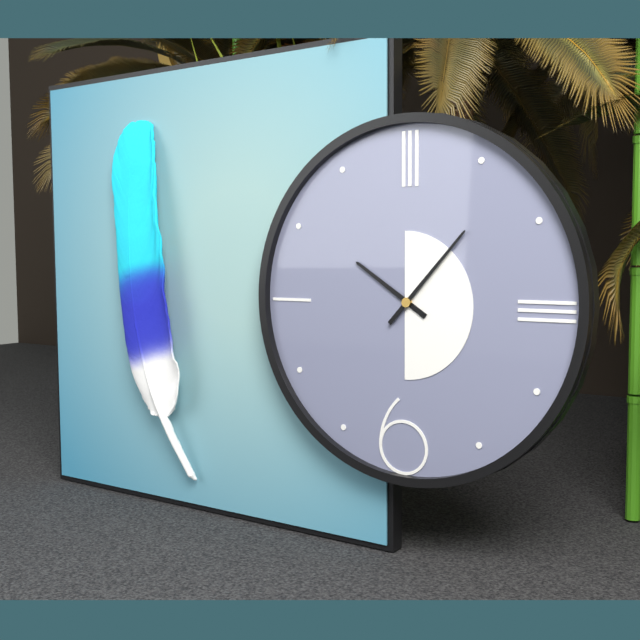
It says 10.07
